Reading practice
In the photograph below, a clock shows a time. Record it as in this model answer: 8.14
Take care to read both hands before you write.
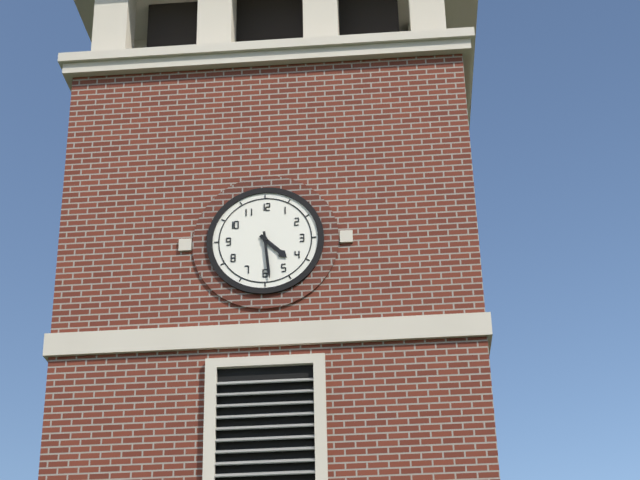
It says 4.29
